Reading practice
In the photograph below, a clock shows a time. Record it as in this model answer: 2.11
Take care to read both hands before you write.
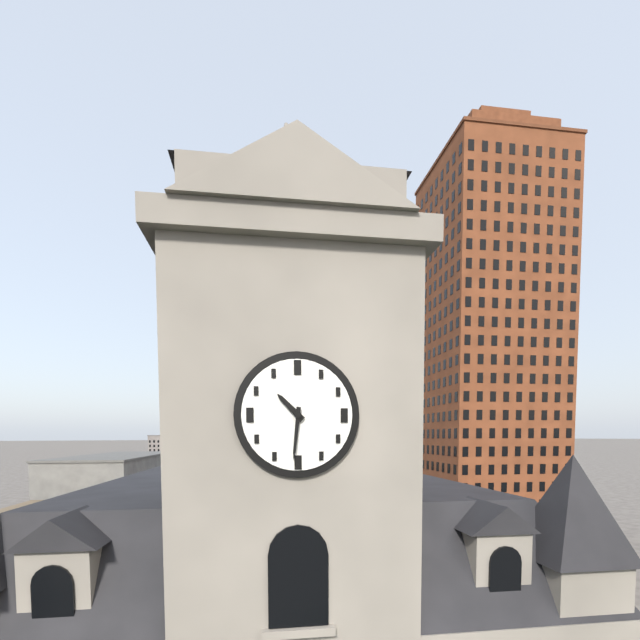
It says 10.31
